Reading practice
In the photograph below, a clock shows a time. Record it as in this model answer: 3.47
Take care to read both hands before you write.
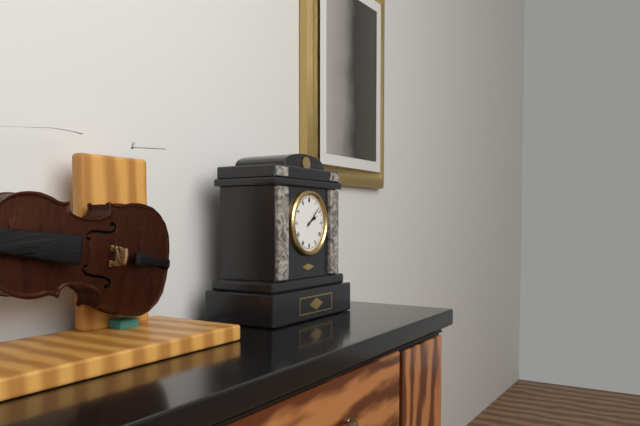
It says 2.08
